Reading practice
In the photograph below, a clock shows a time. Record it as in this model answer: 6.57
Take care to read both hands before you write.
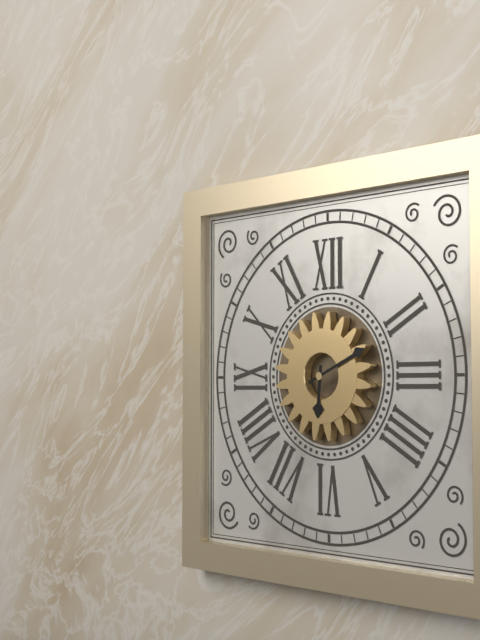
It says 6.11
